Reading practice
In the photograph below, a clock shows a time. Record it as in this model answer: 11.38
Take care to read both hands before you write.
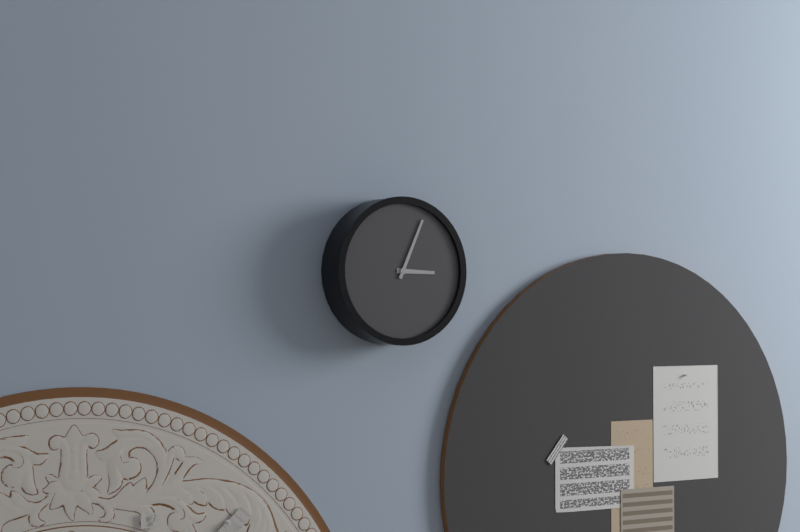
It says 3.04
